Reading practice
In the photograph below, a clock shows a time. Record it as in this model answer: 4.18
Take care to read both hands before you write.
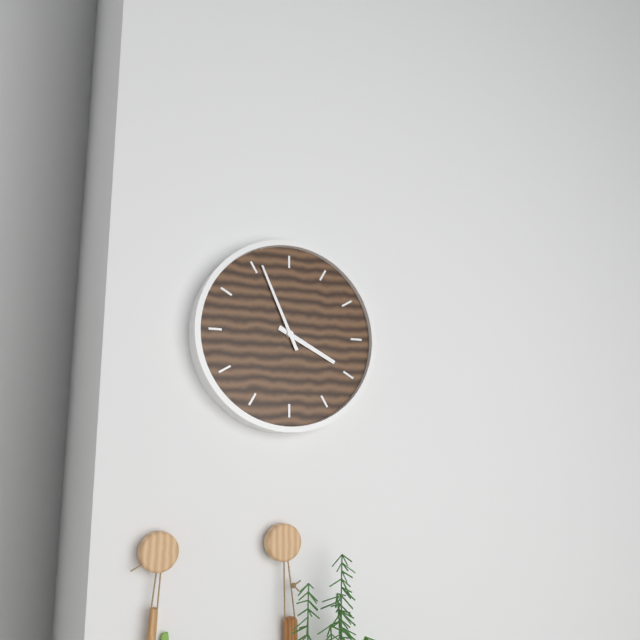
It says 3.56
